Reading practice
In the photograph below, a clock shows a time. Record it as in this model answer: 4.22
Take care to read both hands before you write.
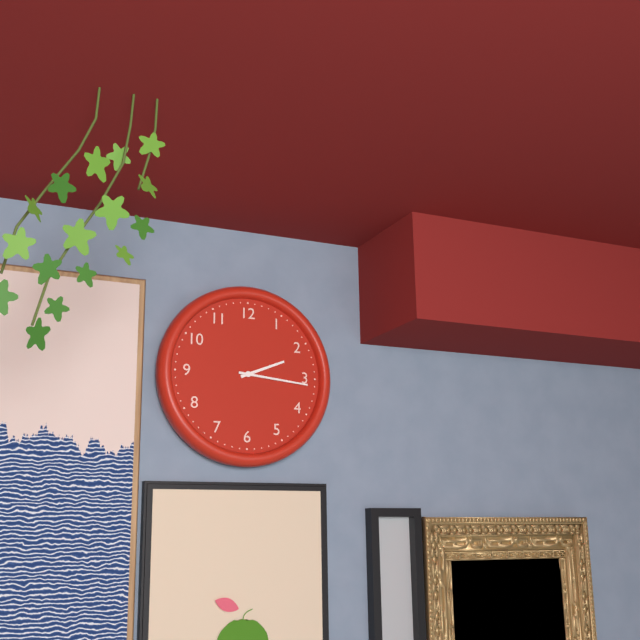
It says 2.16
